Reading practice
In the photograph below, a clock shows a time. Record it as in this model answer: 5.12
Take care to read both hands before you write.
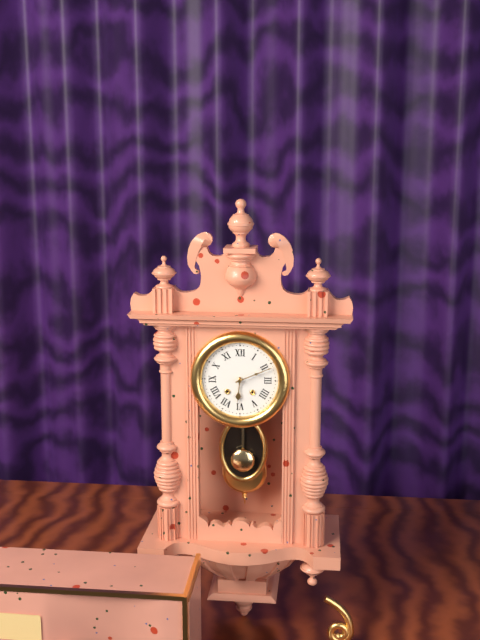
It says 6.11
